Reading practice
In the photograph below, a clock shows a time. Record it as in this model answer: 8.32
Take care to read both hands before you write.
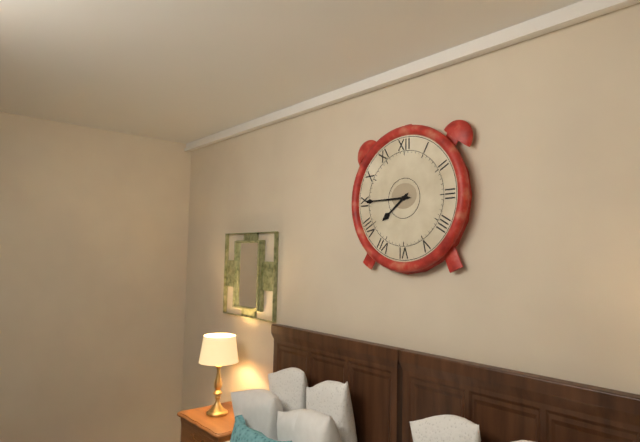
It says 7.45
